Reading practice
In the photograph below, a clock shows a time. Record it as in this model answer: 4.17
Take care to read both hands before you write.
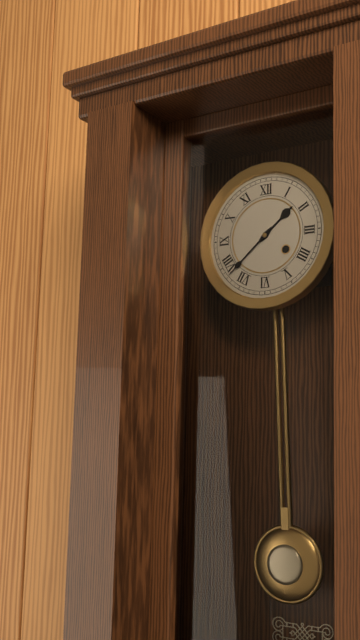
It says 1.38
